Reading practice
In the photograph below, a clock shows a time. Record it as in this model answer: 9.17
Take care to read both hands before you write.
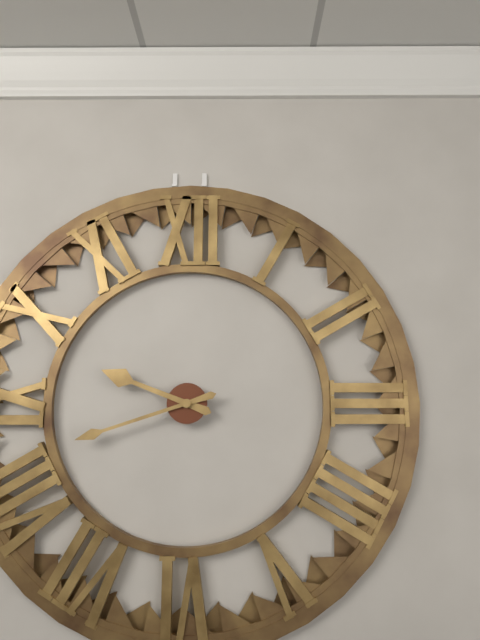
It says 9.42
